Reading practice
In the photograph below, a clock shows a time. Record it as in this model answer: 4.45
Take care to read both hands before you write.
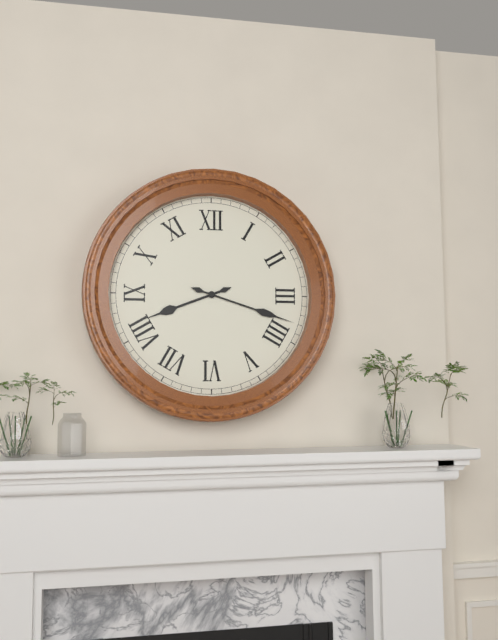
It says 8.18
